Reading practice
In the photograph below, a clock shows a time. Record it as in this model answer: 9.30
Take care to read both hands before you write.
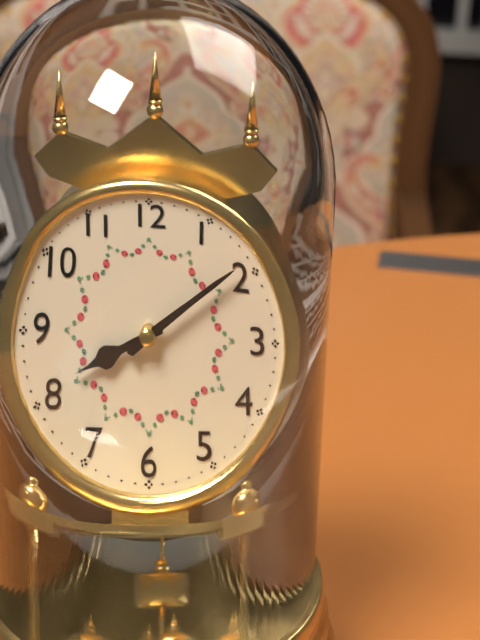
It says 8.09
